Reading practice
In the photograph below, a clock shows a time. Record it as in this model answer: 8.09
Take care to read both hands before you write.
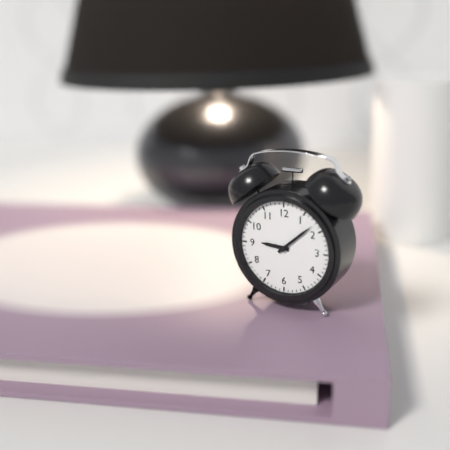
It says 9.08
